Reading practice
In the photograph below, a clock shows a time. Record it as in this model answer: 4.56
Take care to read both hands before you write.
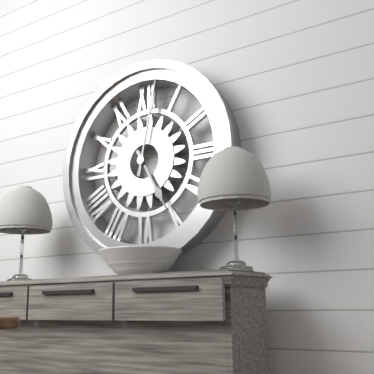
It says 5.02
